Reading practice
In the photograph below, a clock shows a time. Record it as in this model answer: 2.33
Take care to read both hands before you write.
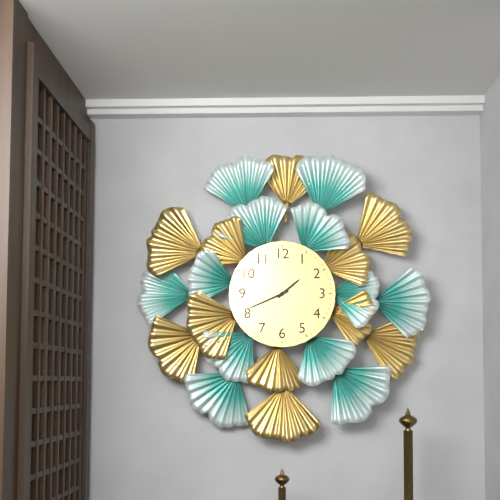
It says 1.41
